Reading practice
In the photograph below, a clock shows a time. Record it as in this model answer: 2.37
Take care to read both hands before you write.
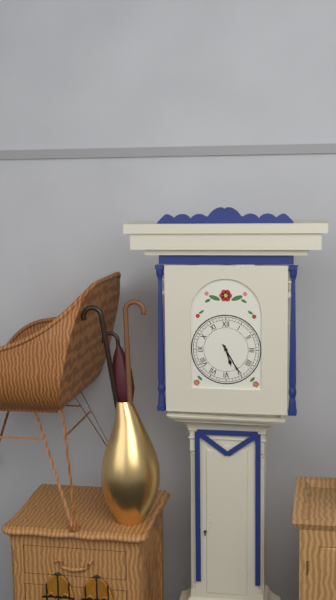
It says 5.25
